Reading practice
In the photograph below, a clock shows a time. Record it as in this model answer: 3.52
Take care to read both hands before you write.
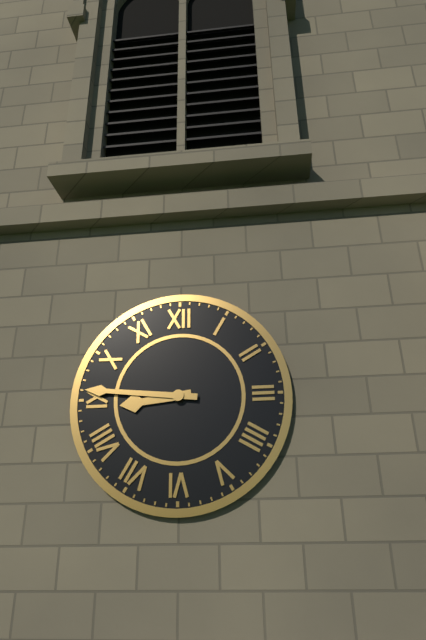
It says 8.46
